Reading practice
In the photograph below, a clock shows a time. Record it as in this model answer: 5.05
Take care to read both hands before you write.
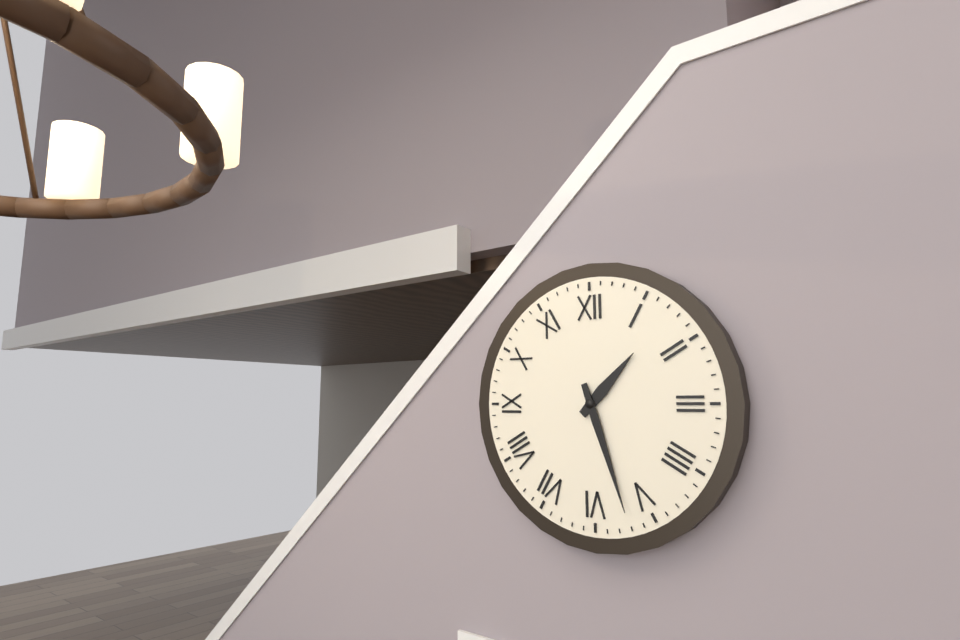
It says 1.27
